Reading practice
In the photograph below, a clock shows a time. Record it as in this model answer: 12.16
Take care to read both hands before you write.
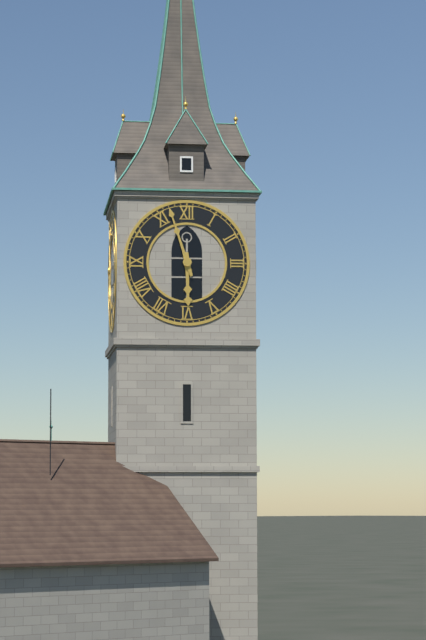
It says 5.57
